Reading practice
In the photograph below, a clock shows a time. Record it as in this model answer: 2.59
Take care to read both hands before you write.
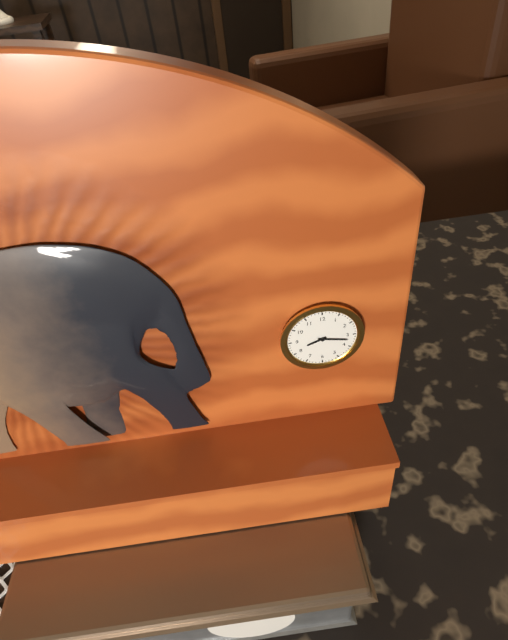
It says 8.17
